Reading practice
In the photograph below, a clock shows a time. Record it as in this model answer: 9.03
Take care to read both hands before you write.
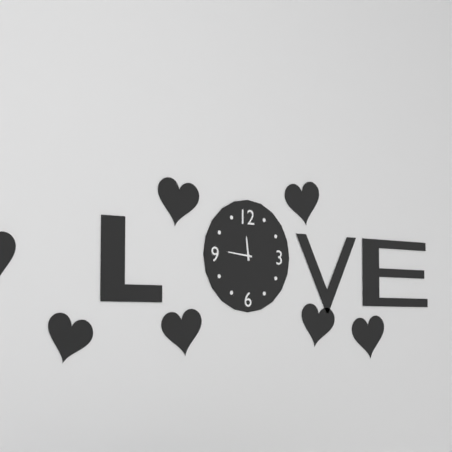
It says 11.46
